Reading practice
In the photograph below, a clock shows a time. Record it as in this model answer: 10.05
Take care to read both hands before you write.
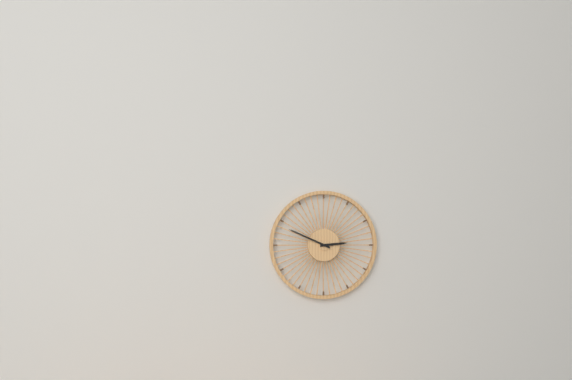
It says 2.49
